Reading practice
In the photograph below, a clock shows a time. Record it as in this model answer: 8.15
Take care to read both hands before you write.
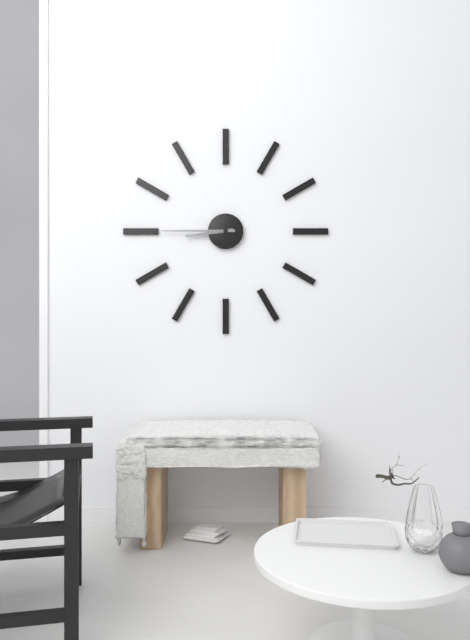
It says 8.45
